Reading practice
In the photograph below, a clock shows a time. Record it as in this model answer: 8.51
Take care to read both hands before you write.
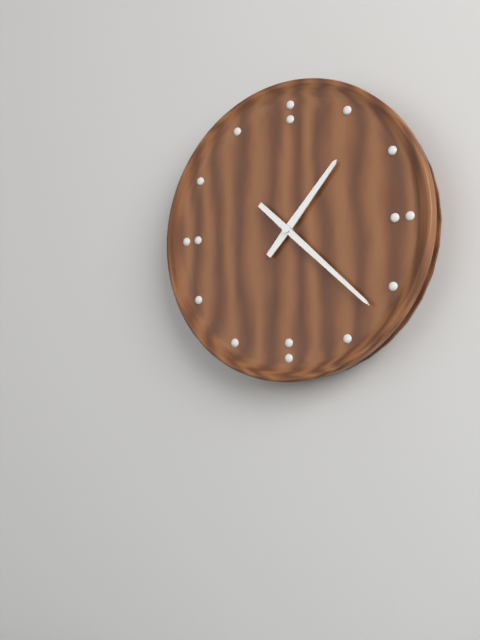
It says 1.22
